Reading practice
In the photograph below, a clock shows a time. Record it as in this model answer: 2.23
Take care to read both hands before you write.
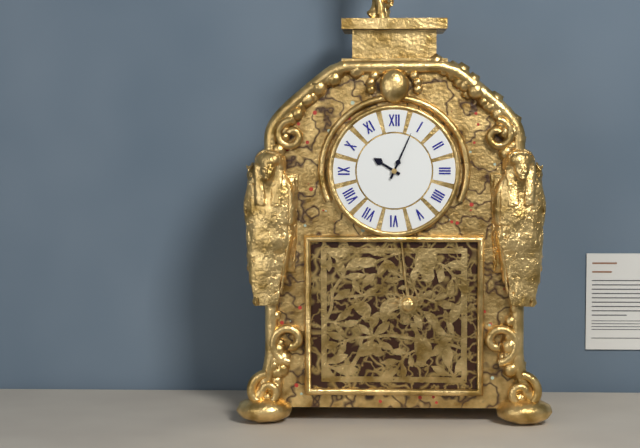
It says 10.04
